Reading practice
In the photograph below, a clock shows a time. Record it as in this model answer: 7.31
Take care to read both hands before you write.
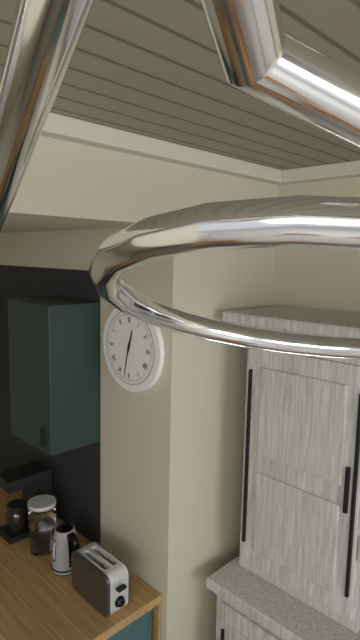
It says 12.32
